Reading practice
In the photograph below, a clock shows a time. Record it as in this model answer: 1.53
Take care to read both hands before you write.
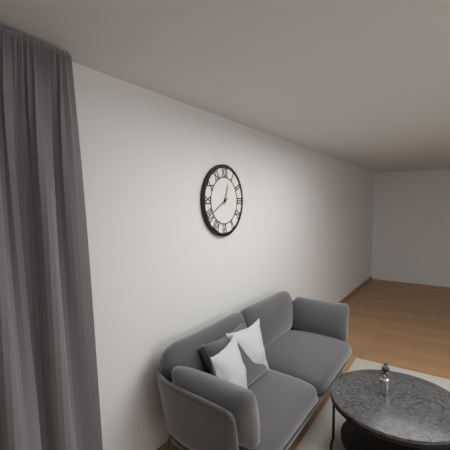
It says 12.40
